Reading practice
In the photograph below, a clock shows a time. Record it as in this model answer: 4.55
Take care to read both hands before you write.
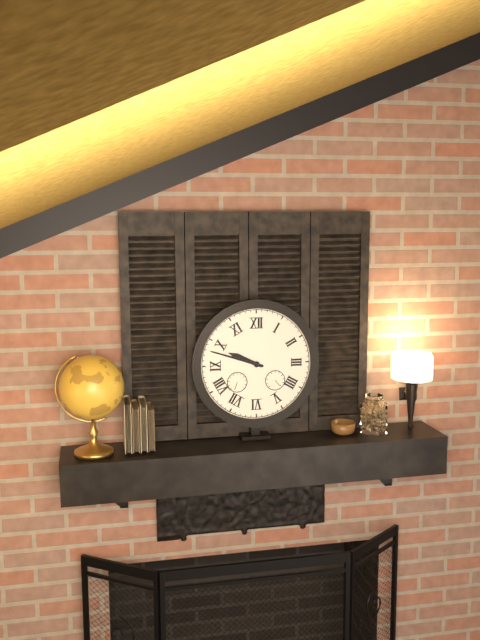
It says 9.48
